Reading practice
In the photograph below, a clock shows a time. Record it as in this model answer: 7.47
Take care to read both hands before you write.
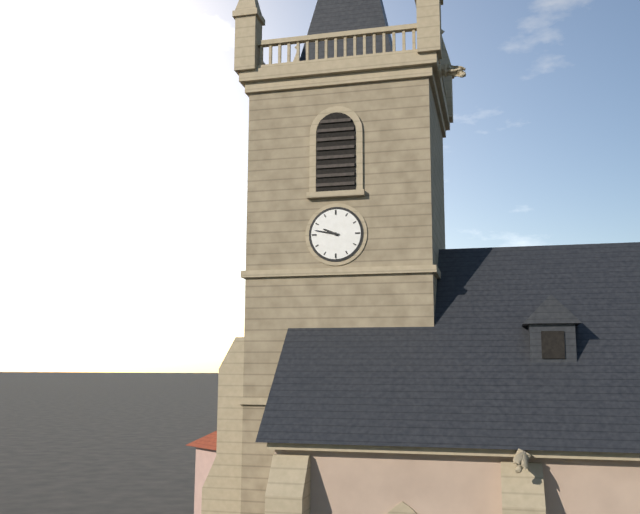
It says 9.47
